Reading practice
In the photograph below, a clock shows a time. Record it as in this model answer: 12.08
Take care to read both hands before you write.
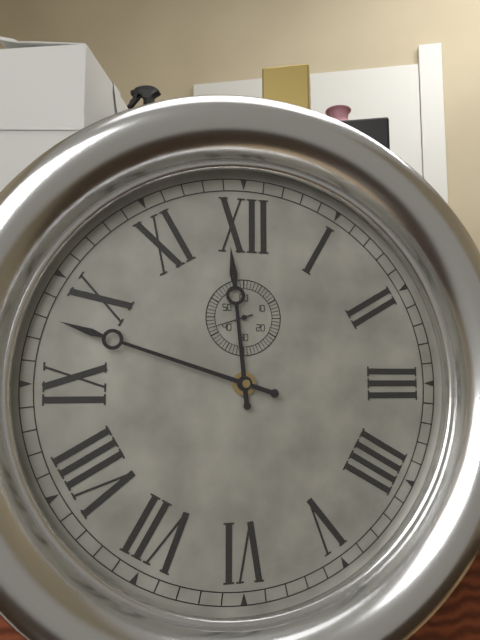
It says 11.48
